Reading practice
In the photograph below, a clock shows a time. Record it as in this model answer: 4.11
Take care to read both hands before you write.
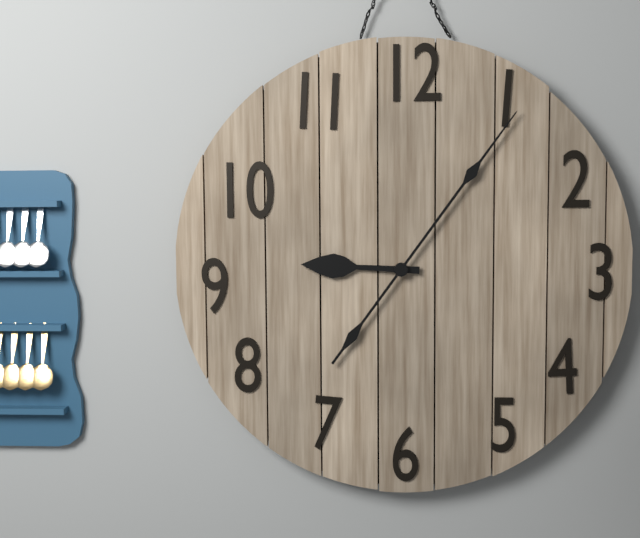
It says 9.06
